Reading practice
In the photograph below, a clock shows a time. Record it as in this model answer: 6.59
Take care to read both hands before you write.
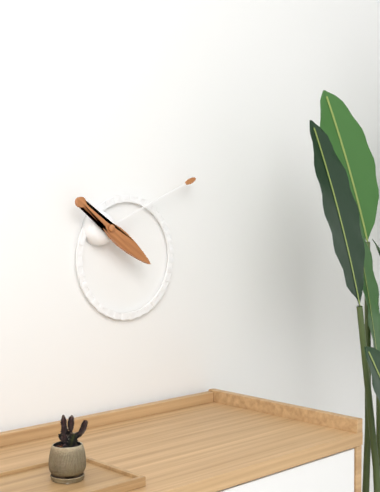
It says 4.11
